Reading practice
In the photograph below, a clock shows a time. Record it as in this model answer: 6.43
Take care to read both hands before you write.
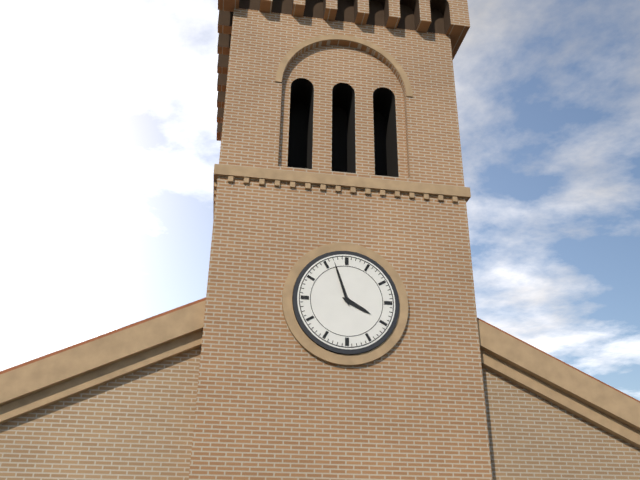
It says 3.57
